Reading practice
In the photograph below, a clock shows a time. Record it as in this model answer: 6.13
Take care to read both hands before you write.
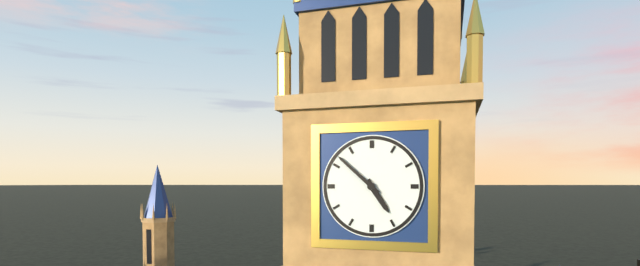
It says 4.52
